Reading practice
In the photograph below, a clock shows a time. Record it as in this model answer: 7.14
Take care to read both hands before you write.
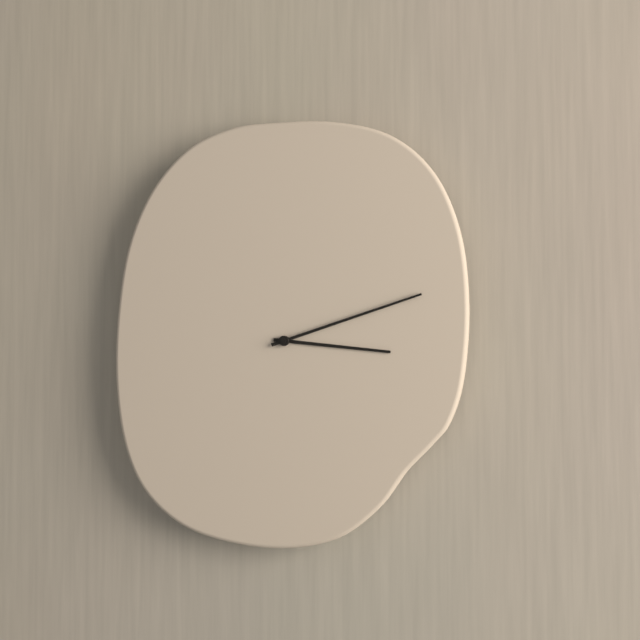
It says 3.12
